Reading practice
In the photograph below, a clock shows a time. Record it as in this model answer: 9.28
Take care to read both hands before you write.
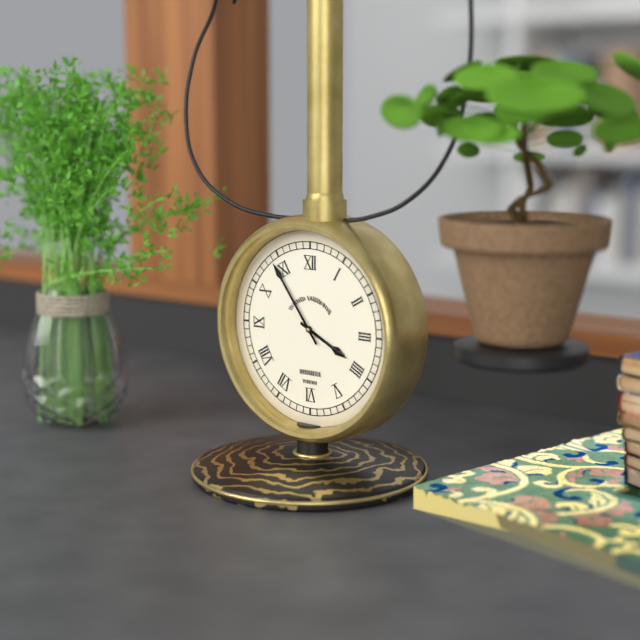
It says 3.54
